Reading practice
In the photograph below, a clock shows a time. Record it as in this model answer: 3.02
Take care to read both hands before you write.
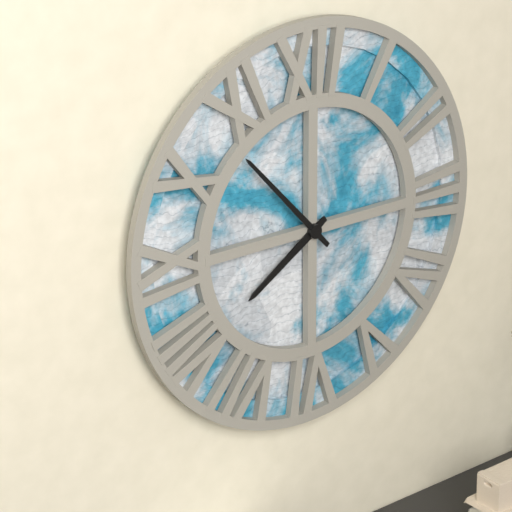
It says 7.53
